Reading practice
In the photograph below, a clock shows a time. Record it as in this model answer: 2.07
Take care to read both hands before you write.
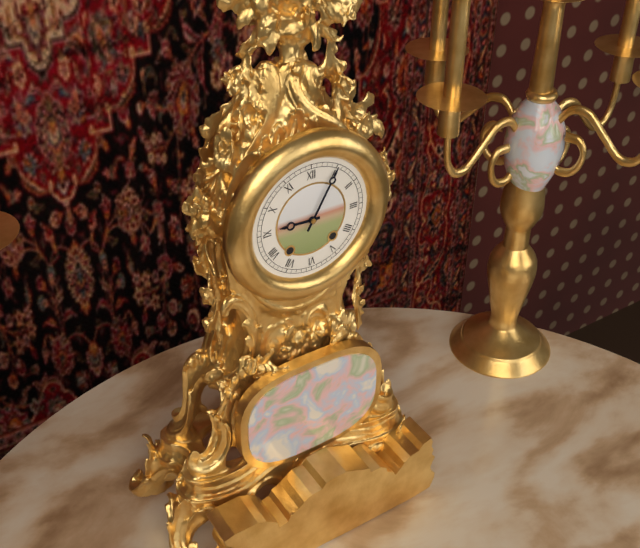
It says 9.05
